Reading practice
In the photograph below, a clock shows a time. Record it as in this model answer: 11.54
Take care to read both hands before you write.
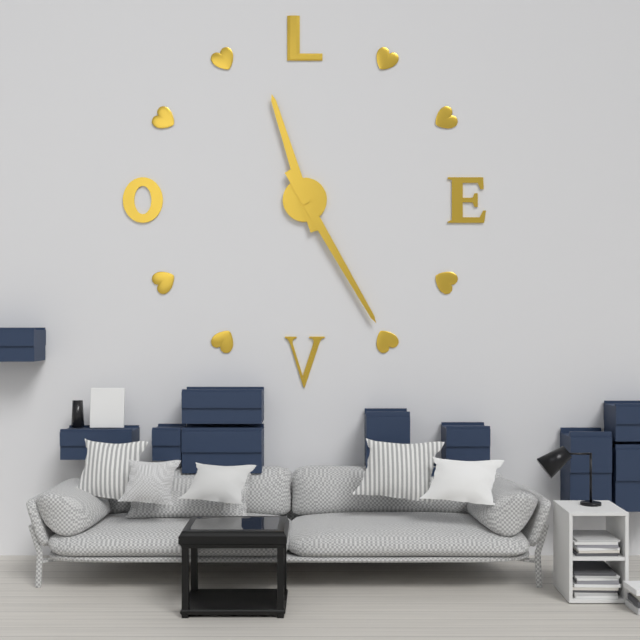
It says 11.25
